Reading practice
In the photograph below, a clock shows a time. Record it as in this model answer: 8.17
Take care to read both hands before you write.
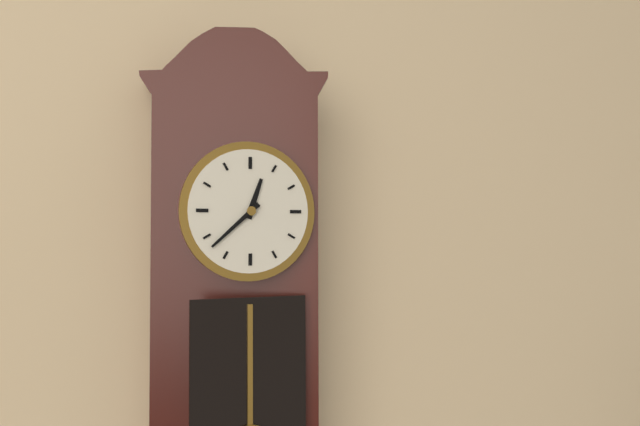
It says 12.38
